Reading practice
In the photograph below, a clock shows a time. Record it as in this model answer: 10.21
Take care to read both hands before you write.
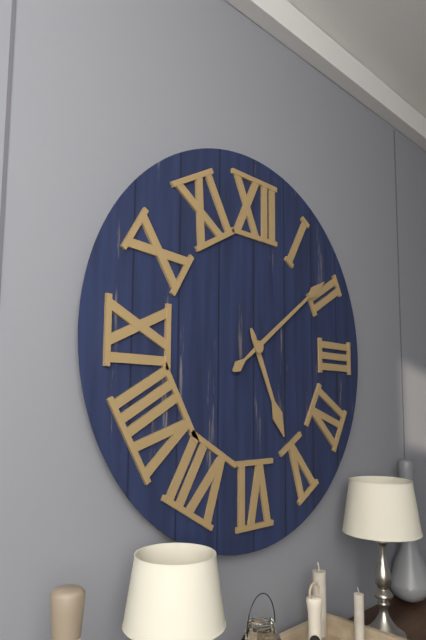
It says 5.09
